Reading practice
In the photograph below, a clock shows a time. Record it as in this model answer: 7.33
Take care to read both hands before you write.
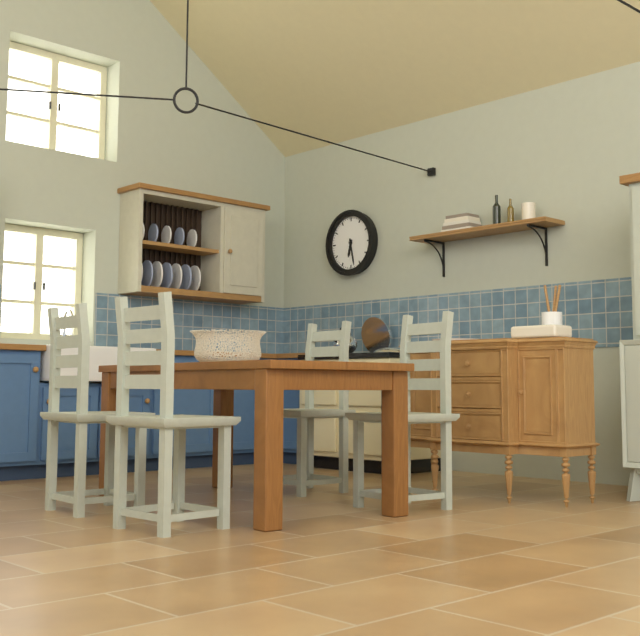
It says 6.28
